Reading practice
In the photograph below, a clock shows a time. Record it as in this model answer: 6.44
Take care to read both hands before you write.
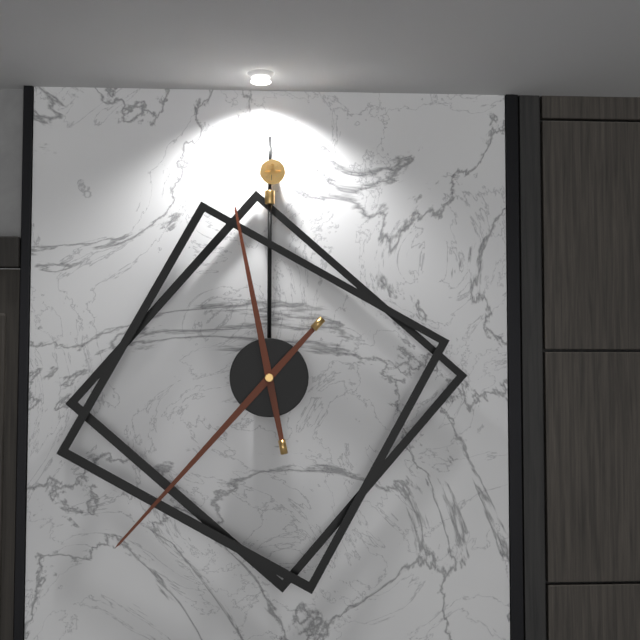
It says 11.37
